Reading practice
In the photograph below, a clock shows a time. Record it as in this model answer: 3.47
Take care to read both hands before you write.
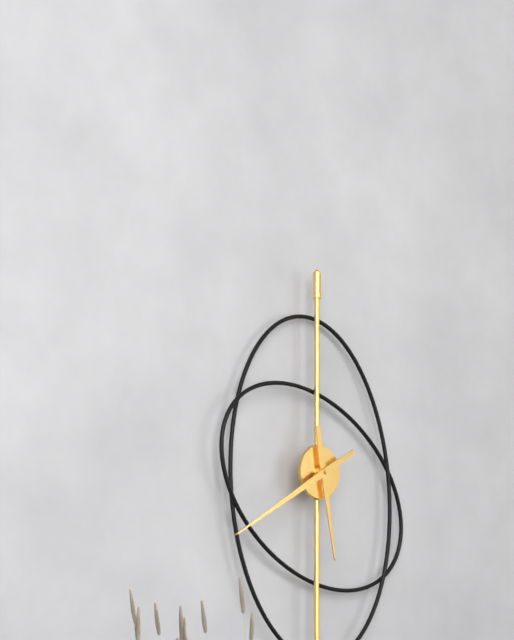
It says 5.40
